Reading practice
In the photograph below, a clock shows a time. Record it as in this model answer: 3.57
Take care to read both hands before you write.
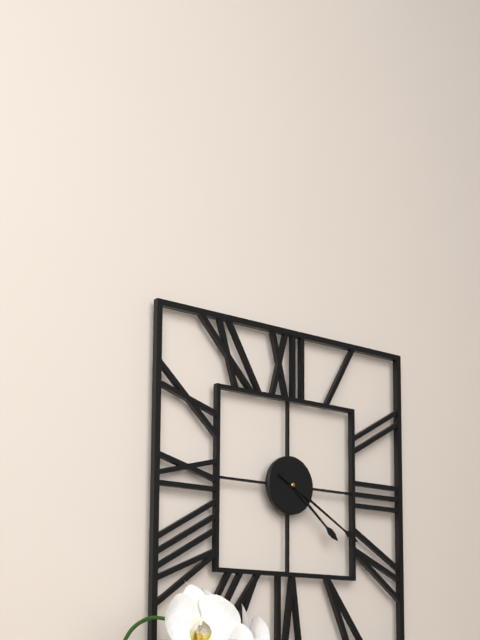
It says 4.20
